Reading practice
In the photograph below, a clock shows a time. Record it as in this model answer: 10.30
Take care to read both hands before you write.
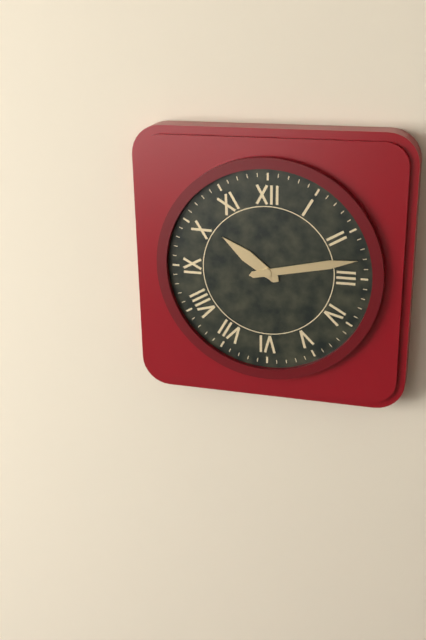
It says 10.13
